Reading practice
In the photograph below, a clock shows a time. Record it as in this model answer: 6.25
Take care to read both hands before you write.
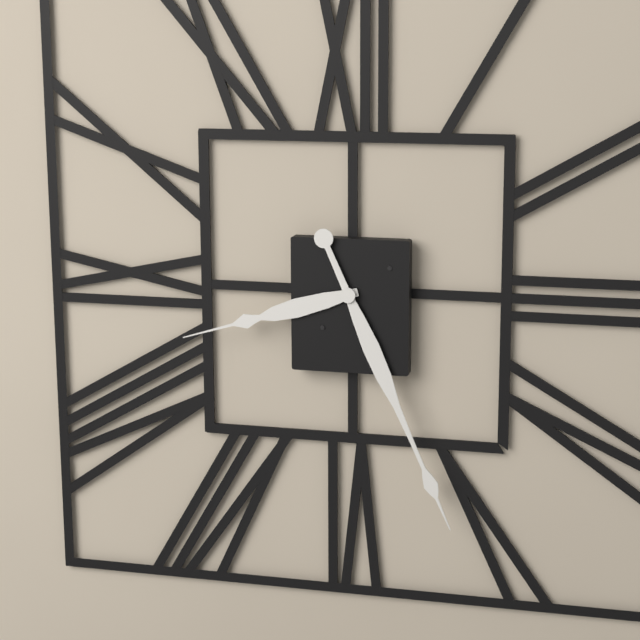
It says 8.26
